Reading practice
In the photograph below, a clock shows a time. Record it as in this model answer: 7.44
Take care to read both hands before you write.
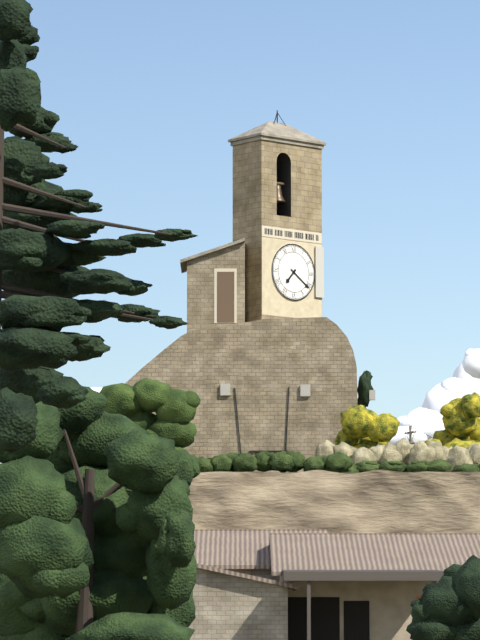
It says 7.21
